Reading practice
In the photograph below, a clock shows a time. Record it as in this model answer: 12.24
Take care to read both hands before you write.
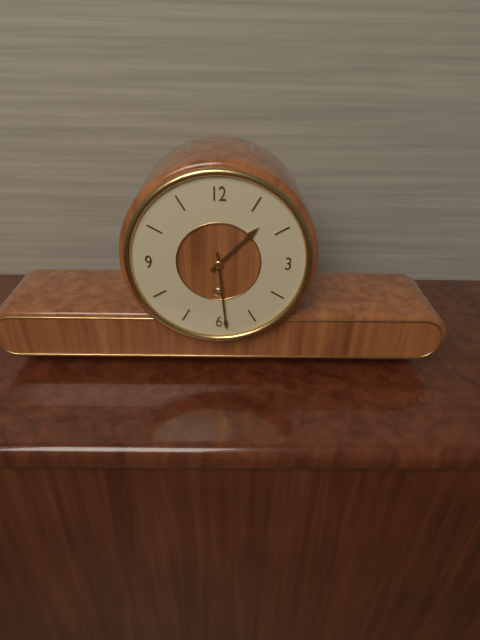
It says 1.29
